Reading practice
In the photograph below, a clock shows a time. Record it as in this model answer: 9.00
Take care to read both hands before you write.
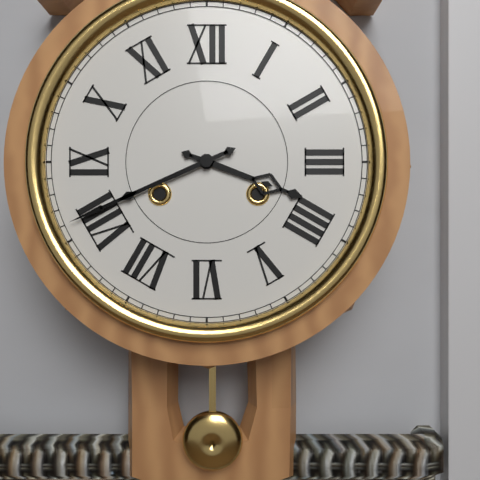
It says 3.41
